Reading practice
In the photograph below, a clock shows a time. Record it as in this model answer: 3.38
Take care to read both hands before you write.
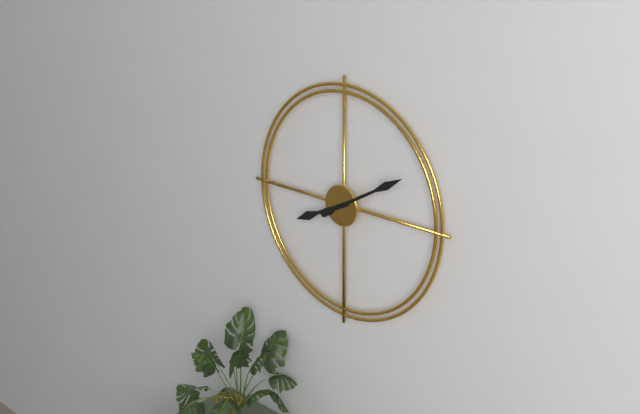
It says 8.10
